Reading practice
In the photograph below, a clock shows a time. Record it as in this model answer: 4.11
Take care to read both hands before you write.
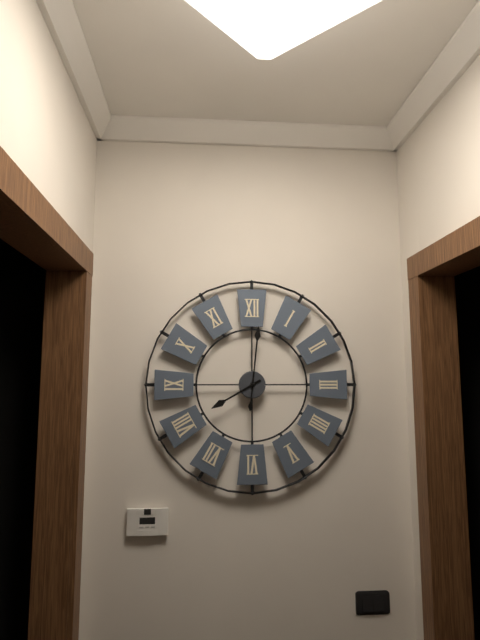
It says 8.01
